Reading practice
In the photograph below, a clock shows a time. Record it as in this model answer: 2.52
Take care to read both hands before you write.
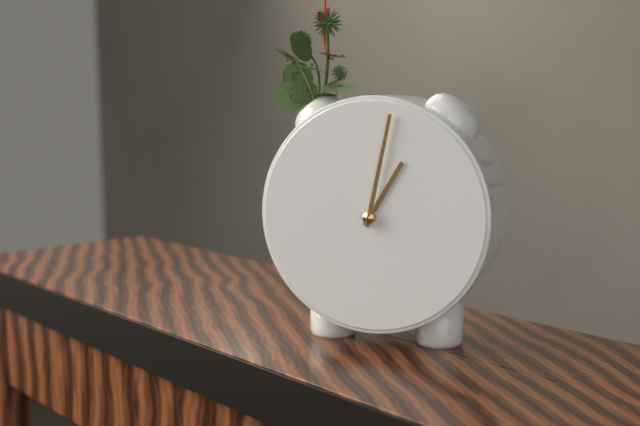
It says 1.02
